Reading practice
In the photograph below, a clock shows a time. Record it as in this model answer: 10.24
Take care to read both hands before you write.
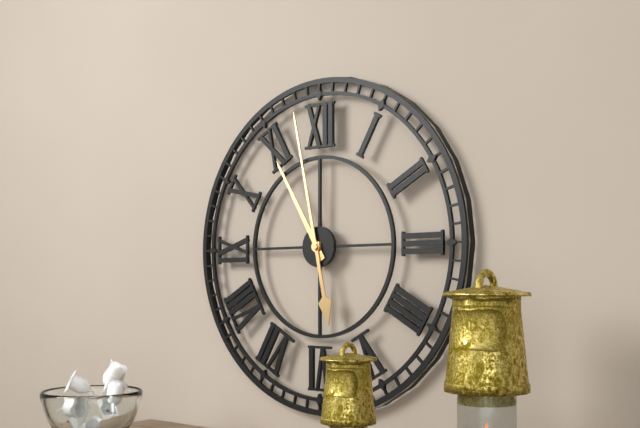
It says 10.58
